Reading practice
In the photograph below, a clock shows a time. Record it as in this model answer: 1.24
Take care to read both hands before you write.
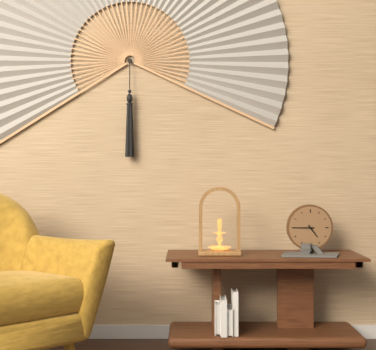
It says 4.45
